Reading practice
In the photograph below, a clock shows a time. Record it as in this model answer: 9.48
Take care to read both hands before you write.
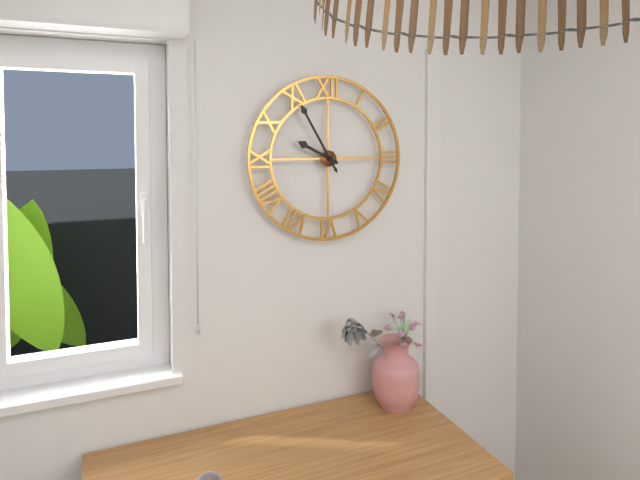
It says 9.55
